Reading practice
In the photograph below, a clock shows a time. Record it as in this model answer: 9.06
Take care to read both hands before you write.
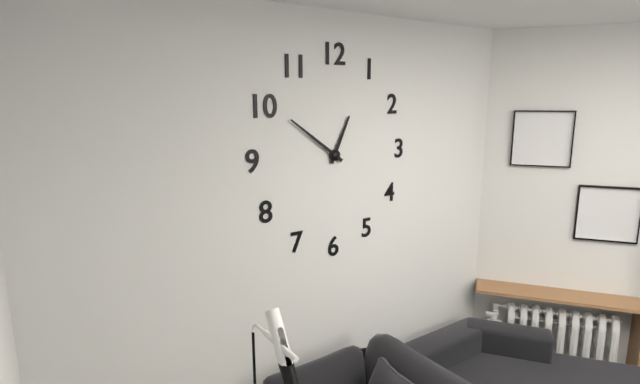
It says 12.51
